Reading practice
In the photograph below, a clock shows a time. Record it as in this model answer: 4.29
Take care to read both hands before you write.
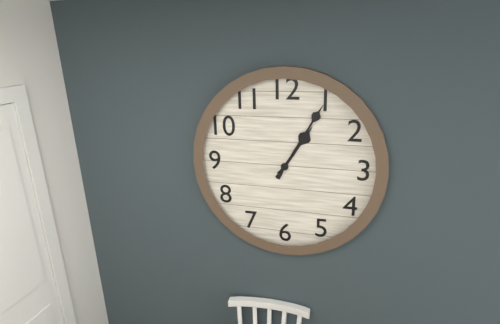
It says 1.05
